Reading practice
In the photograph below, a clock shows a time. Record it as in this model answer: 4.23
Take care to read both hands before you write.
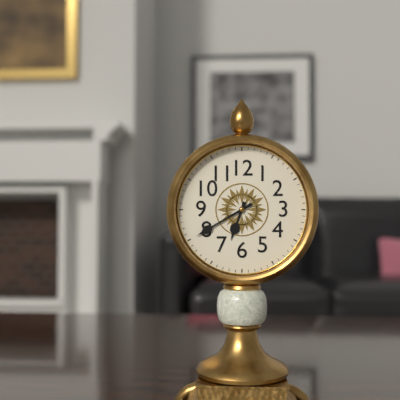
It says 6.40
